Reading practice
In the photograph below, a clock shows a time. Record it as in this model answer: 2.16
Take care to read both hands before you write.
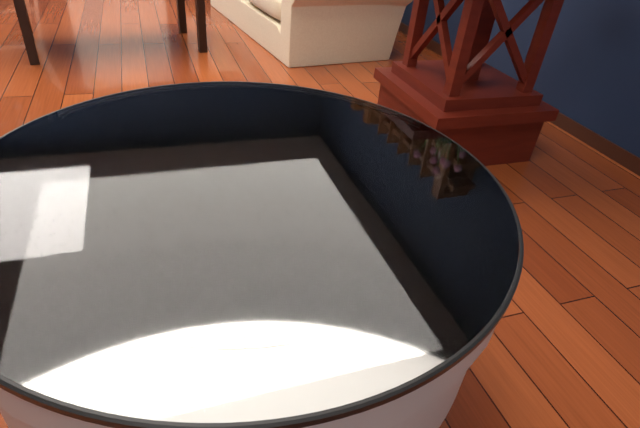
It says 9.25
